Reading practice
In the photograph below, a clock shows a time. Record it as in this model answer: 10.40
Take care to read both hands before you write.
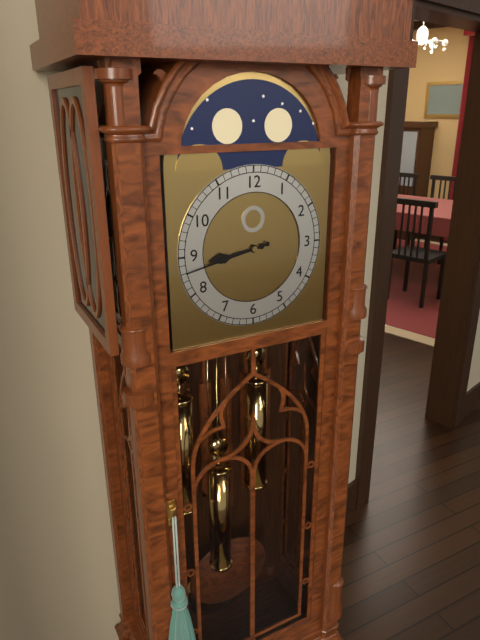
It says 8.43
